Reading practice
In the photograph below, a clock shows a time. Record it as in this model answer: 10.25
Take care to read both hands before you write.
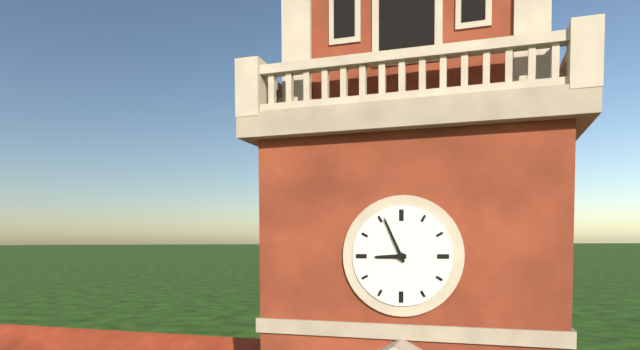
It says 8.56
